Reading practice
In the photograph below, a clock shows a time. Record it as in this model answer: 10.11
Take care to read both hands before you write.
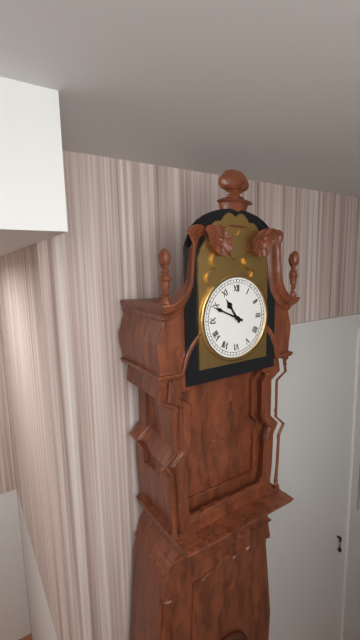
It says 10.49
